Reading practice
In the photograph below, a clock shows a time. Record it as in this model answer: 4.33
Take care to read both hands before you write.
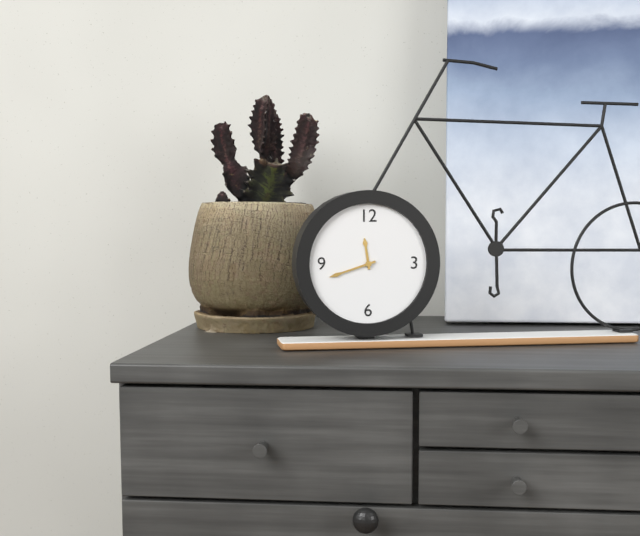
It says 11.42
